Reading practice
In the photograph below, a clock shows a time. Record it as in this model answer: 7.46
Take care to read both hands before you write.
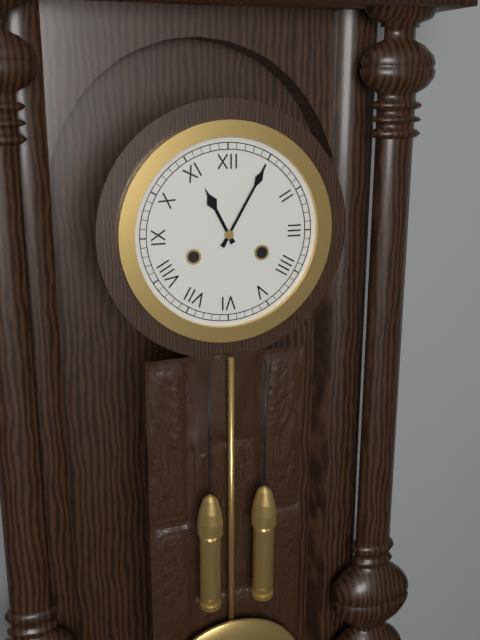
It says 11.05
